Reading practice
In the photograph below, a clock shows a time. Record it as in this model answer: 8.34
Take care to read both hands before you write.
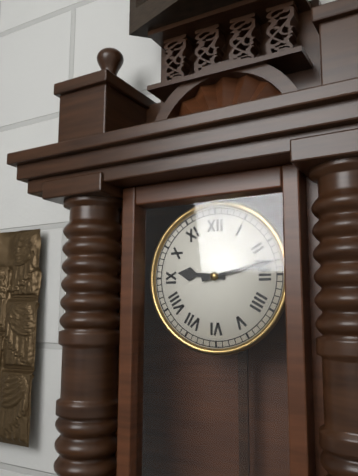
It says 9.13
